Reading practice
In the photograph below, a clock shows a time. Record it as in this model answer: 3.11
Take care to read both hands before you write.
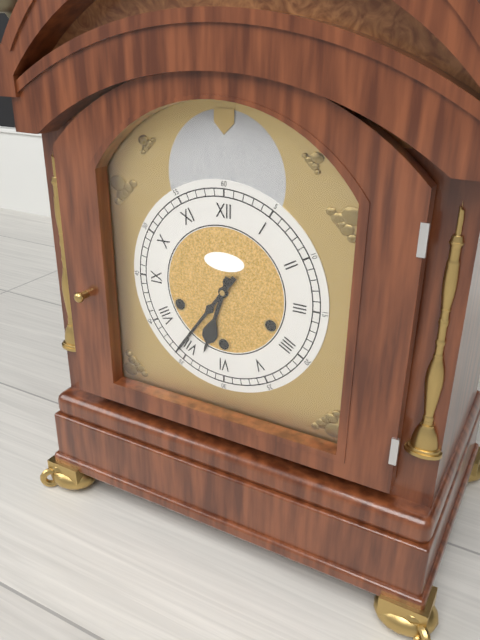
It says 6.36
